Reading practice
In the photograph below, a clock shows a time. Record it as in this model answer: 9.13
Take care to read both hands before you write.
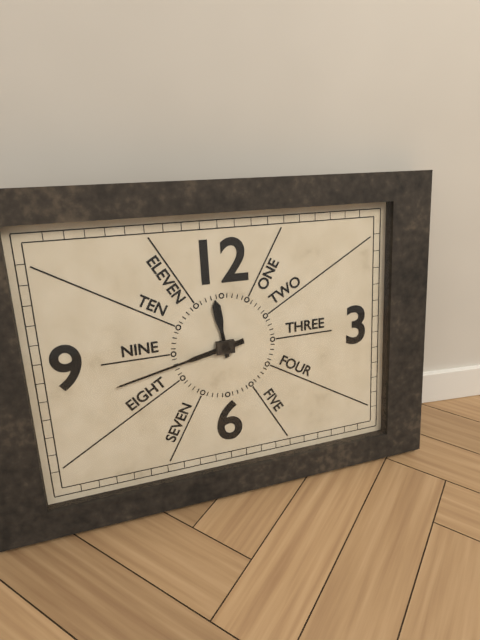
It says 11.43
